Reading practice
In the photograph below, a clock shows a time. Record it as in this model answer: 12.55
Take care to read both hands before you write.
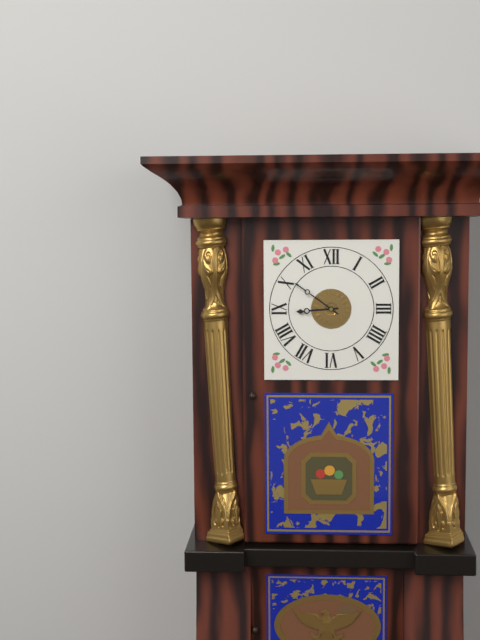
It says 8.51
